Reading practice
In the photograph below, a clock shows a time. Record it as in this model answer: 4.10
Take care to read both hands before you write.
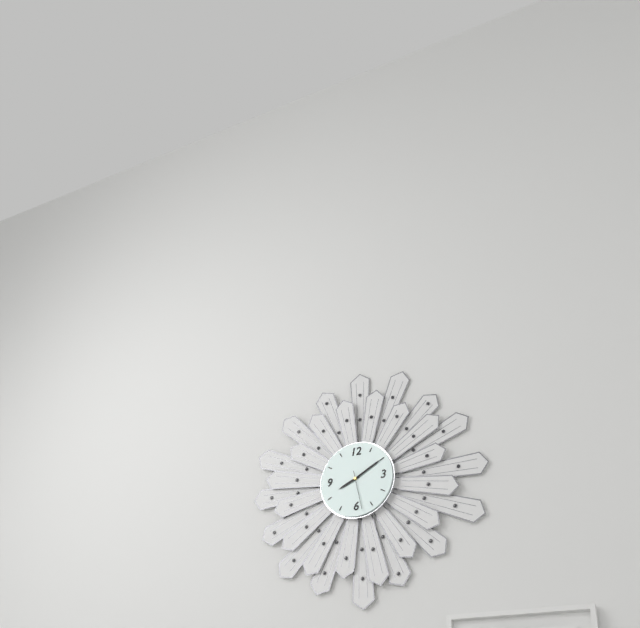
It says 8.10
